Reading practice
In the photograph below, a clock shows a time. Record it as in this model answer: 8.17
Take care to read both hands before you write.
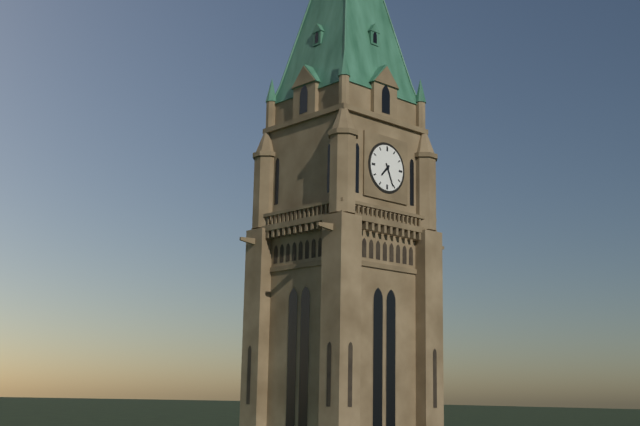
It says 7.26
